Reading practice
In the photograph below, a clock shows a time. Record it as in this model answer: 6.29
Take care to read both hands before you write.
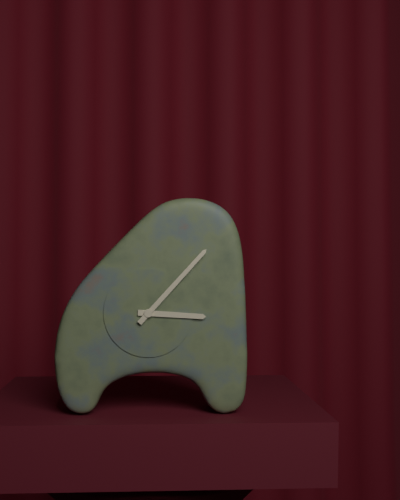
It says 3.07
